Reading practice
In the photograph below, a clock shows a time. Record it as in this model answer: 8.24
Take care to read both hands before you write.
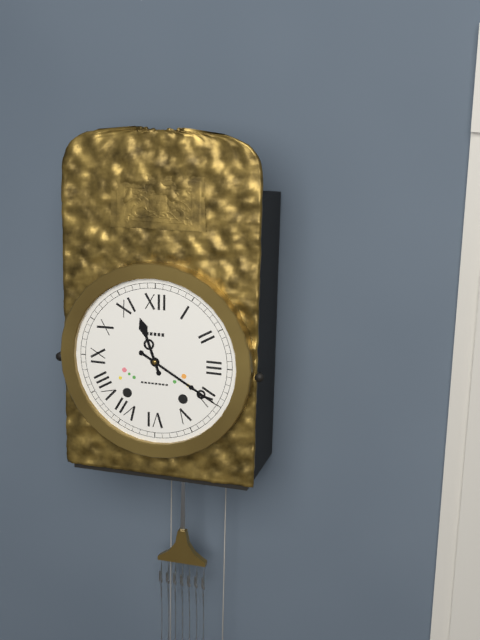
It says 11.20
